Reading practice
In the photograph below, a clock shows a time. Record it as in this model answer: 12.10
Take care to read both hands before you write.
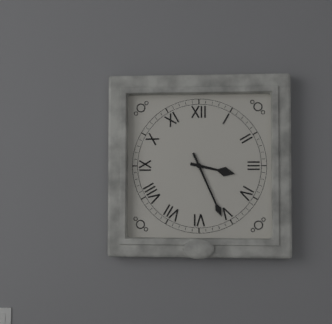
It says 3.26
